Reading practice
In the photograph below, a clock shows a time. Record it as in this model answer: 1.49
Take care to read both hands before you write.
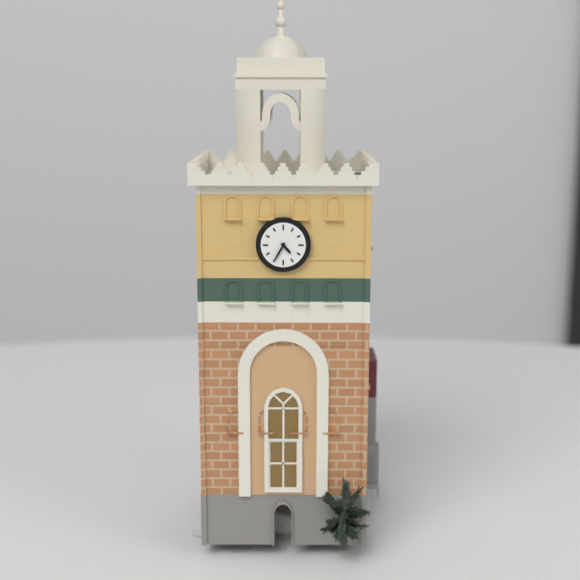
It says 4.35
